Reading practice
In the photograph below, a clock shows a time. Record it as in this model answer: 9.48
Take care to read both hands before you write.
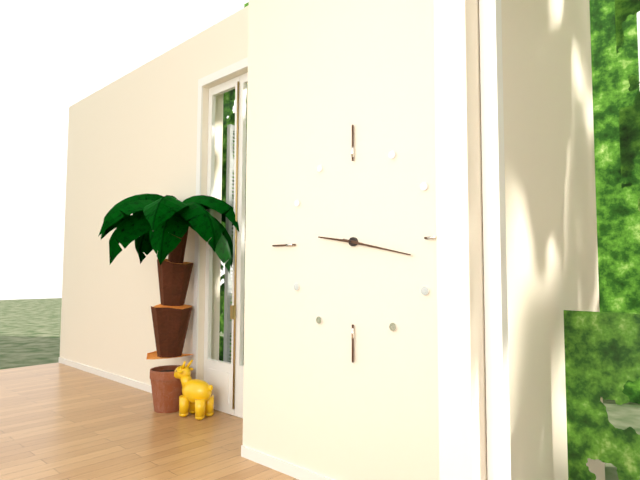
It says 9.17
